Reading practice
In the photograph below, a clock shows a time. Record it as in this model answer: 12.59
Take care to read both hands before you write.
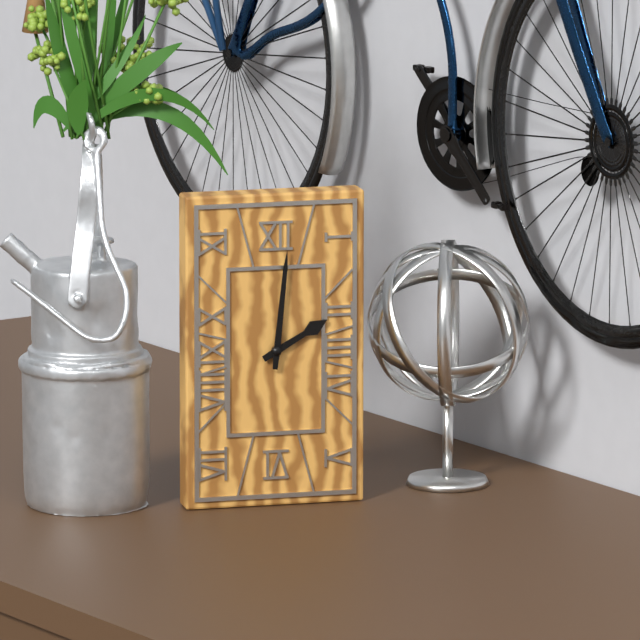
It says 2.01
